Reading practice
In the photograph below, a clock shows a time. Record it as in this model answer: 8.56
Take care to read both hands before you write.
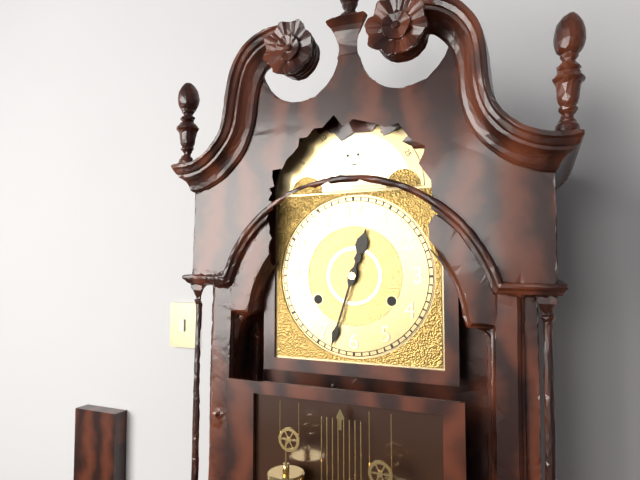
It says 12.33
